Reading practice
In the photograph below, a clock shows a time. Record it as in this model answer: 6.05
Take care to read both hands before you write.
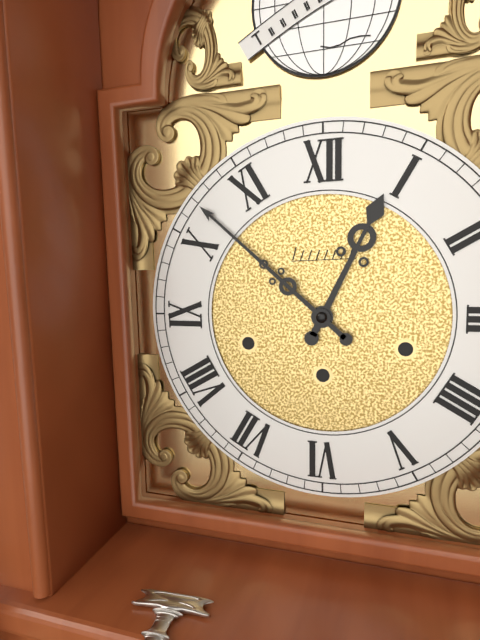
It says 12.52
